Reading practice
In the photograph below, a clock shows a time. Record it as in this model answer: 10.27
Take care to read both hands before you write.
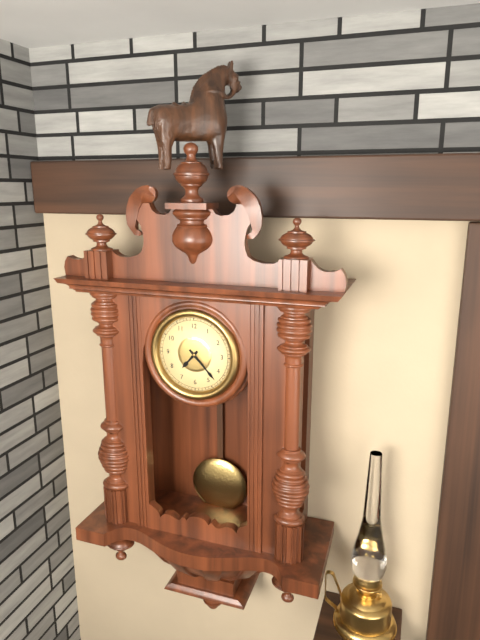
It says 7.23
